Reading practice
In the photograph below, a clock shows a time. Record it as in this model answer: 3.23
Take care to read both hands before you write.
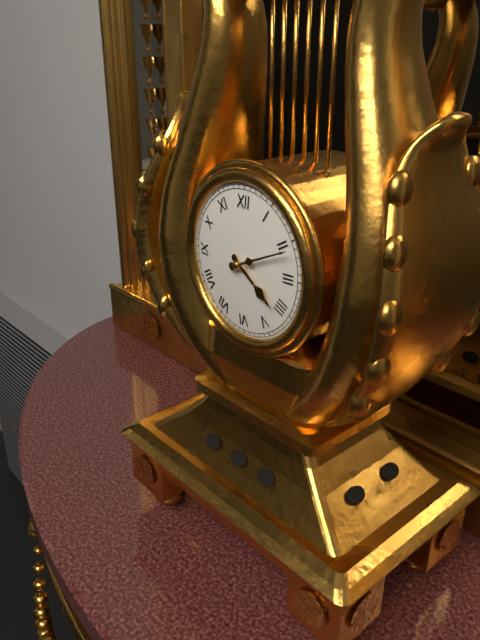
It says 4.11
